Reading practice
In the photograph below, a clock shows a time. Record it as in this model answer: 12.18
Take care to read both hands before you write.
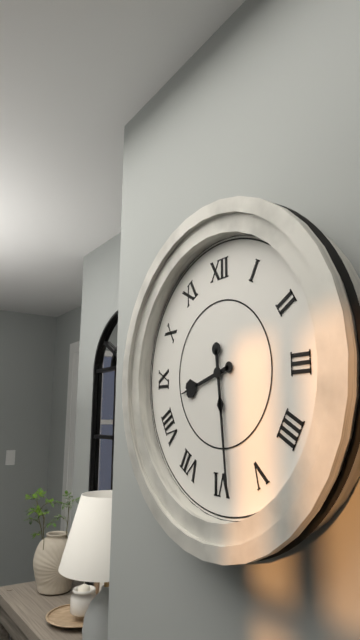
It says 8.29
